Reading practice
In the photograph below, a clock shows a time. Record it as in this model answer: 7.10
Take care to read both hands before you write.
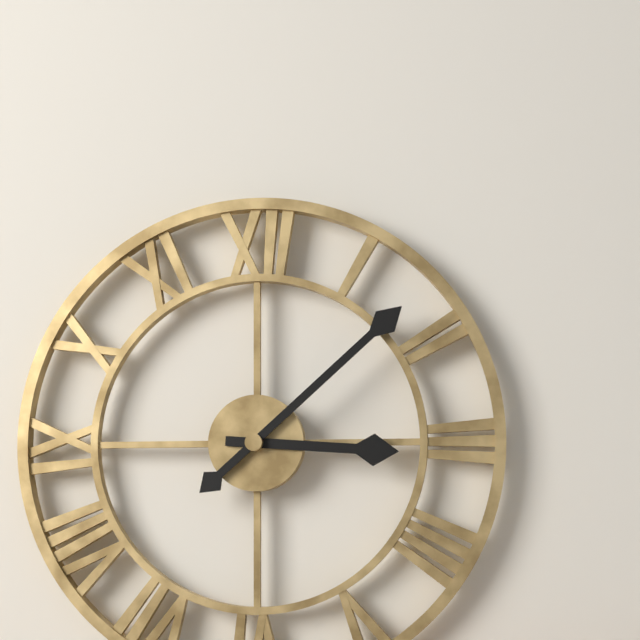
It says 3.08
